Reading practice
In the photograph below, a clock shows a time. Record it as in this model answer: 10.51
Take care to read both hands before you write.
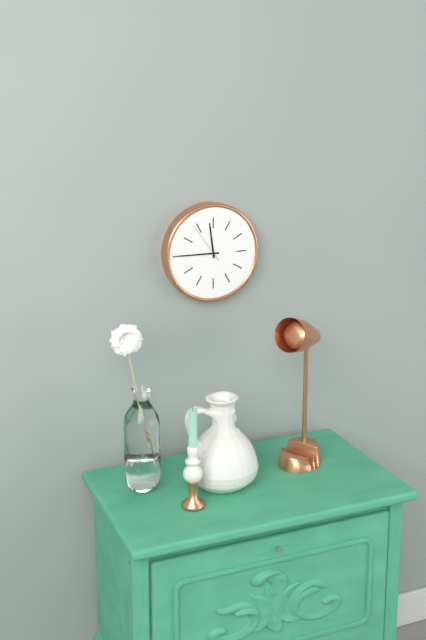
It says 11.45
